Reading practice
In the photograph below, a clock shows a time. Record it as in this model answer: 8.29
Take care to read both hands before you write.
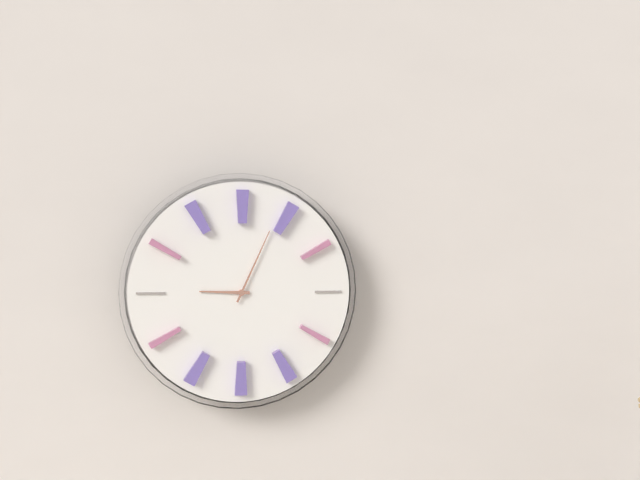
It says 9.04
